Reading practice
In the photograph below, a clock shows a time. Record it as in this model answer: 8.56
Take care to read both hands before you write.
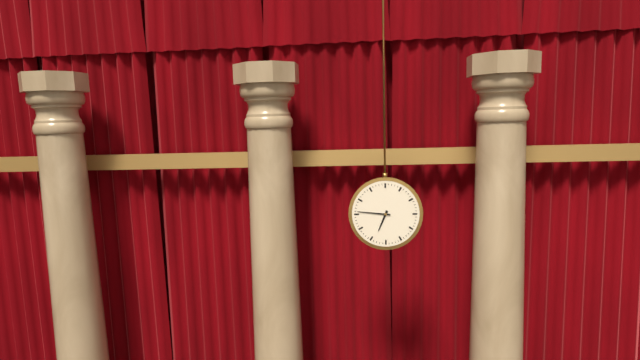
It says 6.46
